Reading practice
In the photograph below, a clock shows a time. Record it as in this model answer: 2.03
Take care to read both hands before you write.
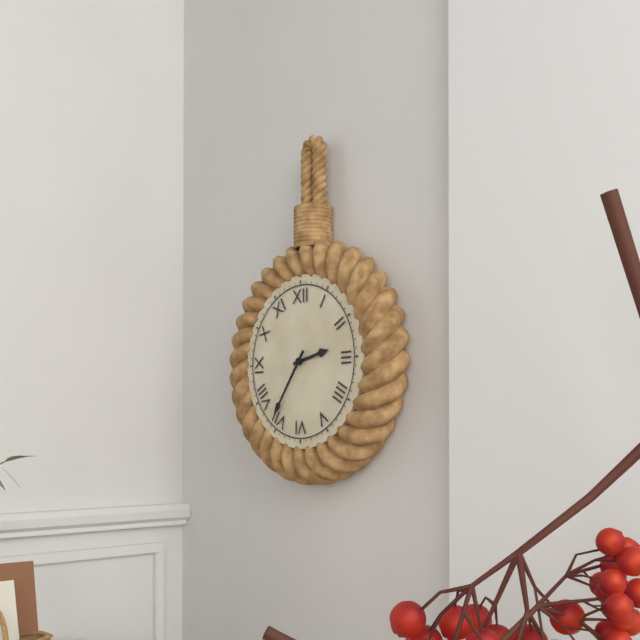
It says 2.36
